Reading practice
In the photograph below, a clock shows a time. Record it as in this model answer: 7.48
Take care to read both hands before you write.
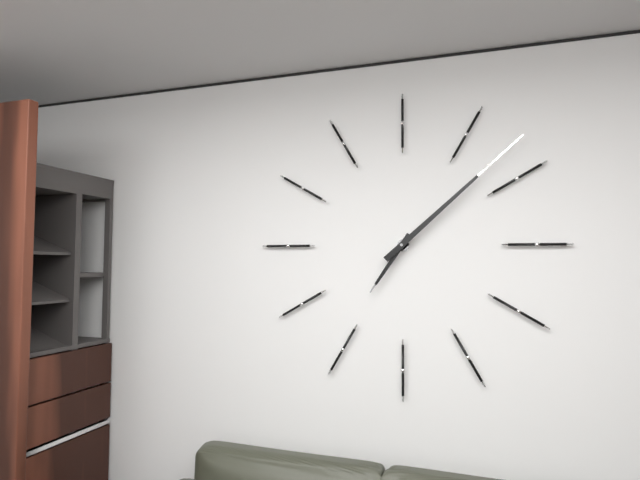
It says 7.08
